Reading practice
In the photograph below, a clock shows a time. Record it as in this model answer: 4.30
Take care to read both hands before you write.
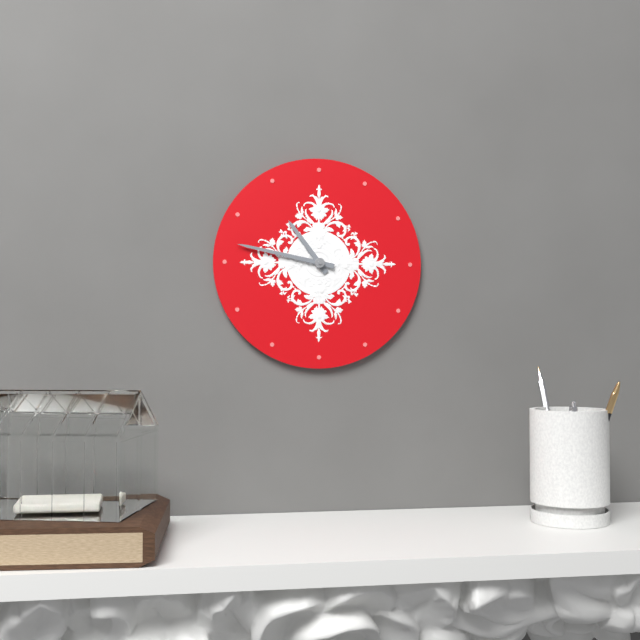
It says 10.47
